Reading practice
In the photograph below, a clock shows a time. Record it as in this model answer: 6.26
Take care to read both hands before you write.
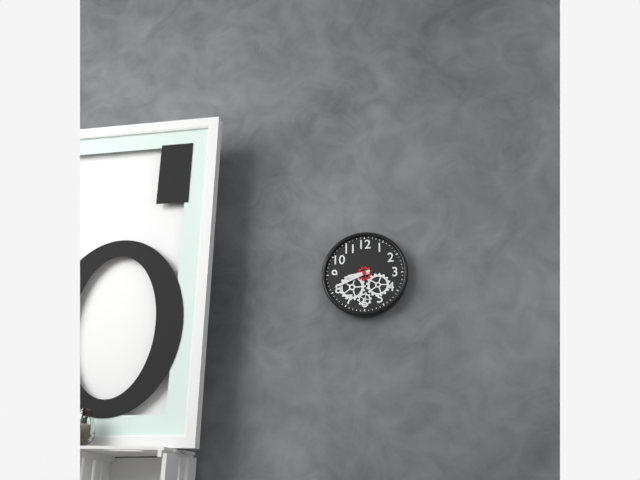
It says 8.41
